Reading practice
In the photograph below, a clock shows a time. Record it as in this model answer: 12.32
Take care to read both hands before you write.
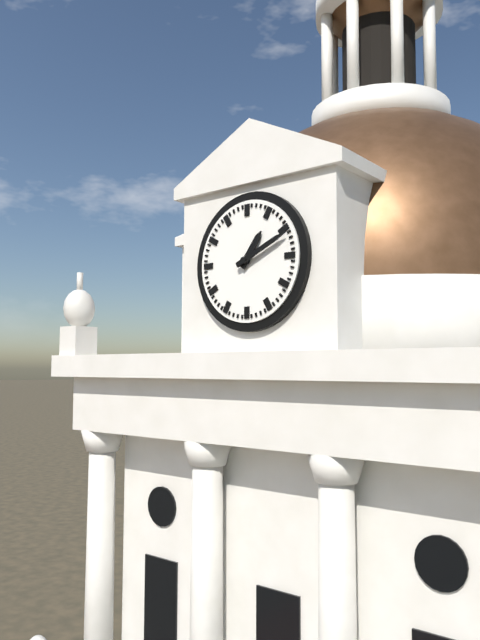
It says 1.11
